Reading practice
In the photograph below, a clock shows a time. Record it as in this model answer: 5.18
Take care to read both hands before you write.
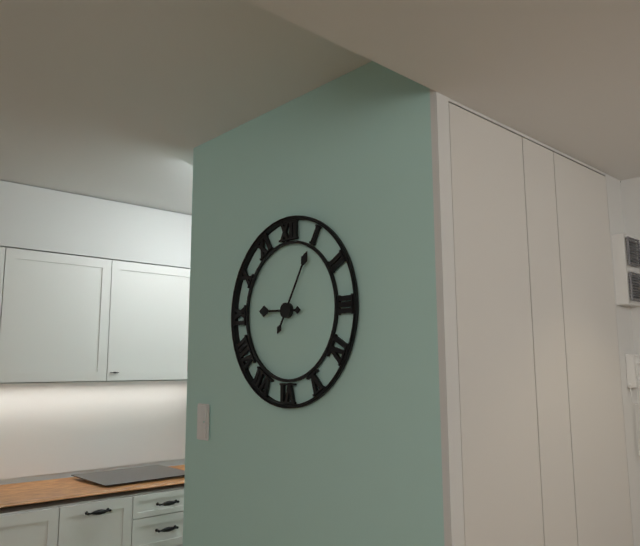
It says 9.05
